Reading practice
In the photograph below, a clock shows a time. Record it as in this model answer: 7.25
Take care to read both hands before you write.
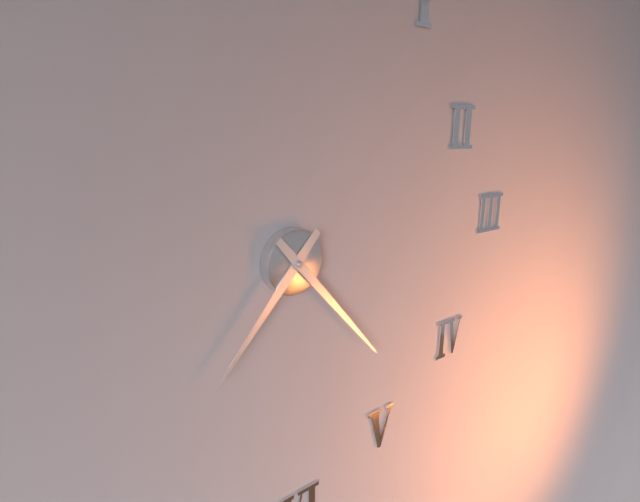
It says 7.23
